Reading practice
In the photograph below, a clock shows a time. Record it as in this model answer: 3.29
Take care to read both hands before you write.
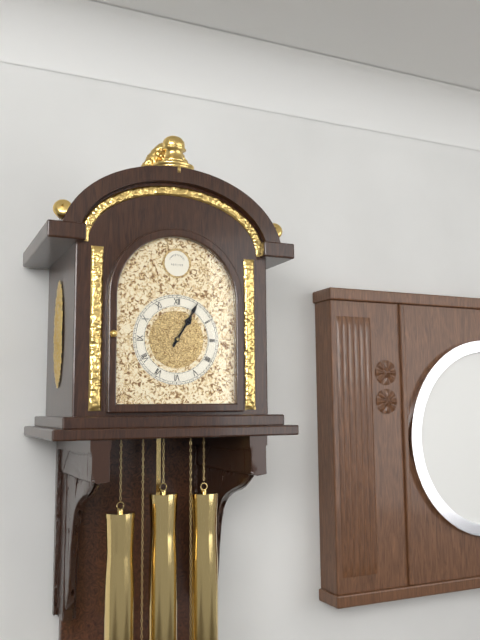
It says 1.05
